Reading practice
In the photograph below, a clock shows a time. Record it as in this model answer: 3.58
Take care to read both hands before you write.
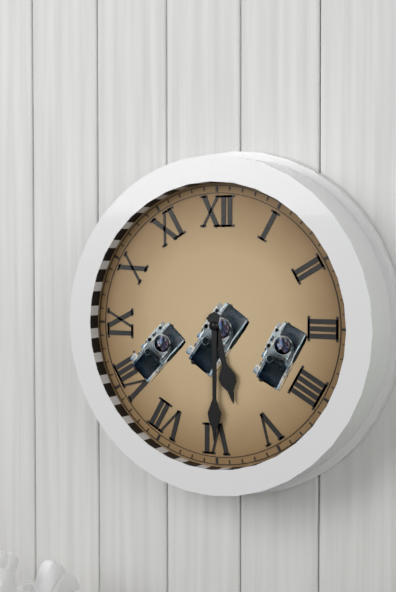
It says 5.30
